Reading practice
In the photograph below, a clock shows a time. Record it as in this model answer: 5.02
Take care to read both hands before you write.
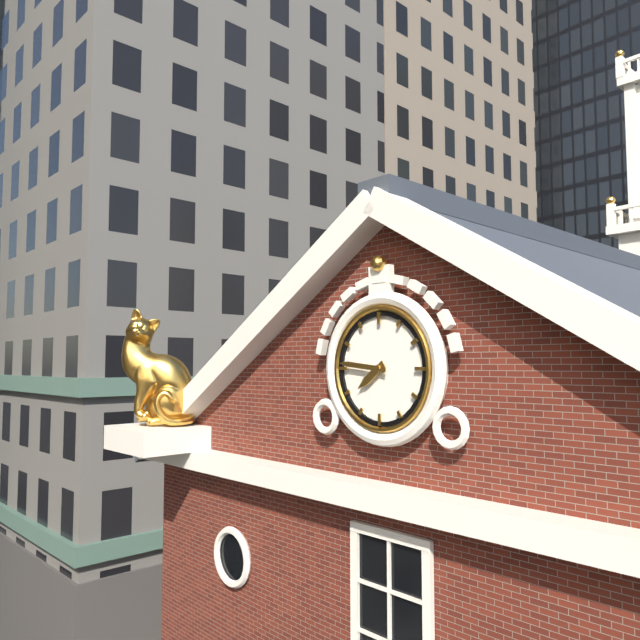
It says 7.46
